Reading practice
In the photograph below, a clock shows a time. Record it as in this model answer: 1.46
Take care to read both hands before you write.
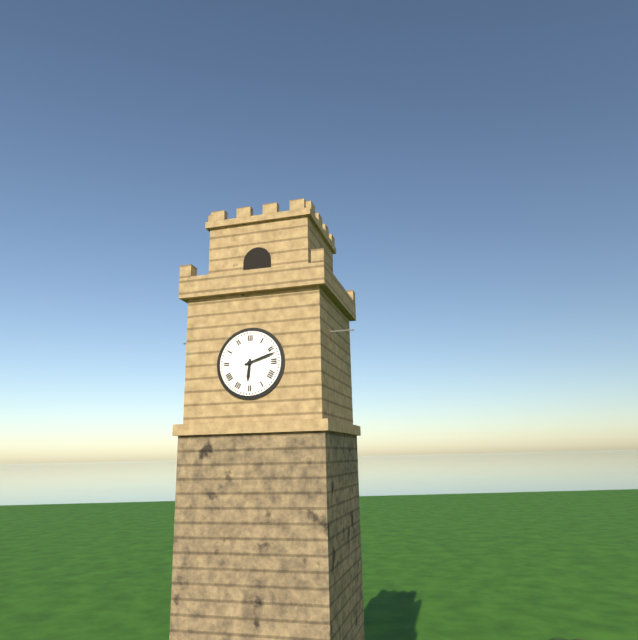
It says 6.12
